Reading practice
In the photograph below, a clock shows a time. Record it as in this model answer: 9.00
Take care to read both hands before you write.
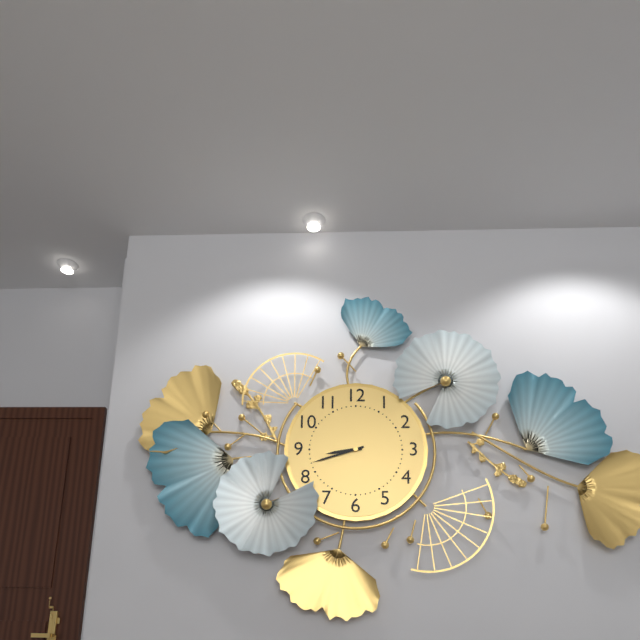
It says 8.42
